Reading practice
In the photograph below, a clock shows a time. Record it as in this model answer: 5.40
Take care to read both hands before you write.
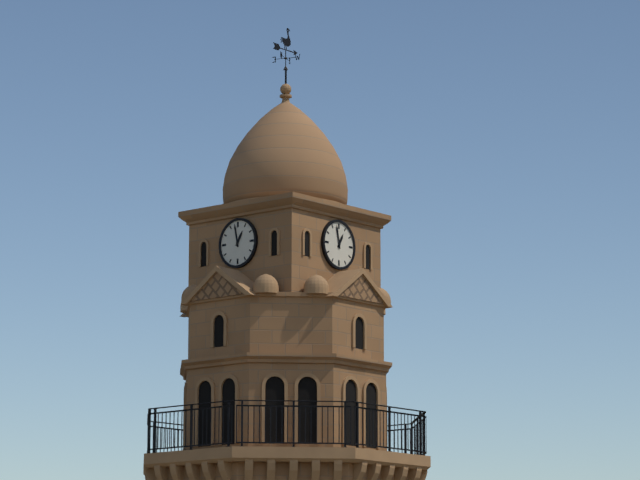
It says 12.58
